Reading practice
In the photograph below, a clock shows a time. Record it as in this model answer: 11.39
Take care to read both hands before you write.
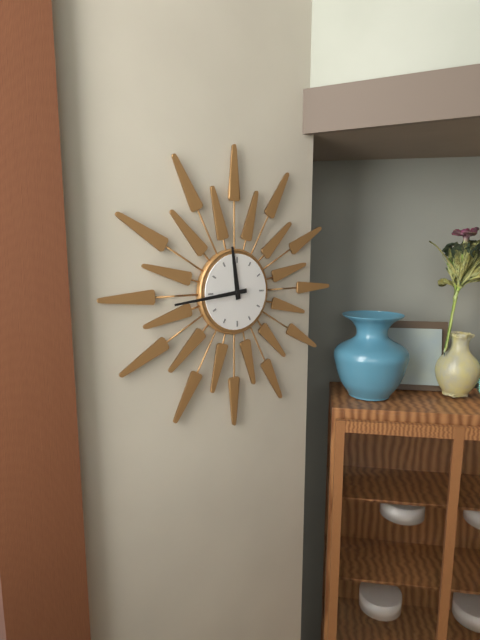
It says 11.44
